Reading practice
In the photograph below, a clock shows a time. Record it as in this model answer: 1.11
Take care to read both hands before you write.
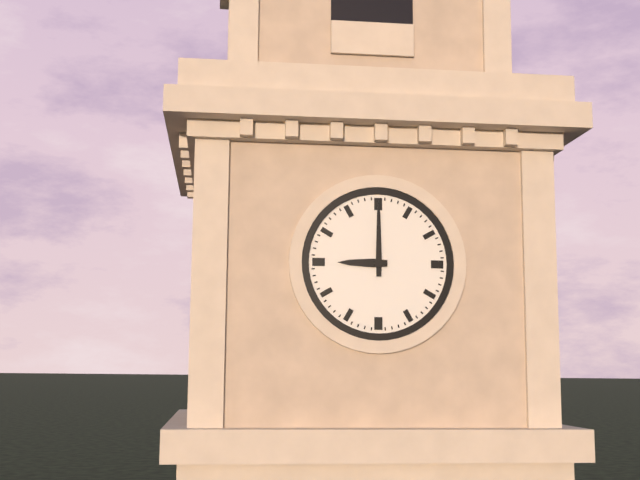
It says 9.00
